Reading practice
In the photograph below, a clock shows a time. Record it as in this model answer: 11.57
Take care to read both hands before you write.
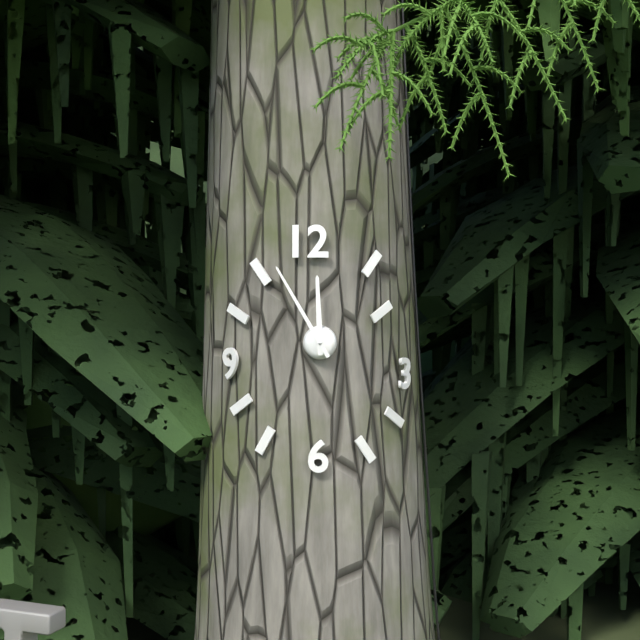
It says 11.55
